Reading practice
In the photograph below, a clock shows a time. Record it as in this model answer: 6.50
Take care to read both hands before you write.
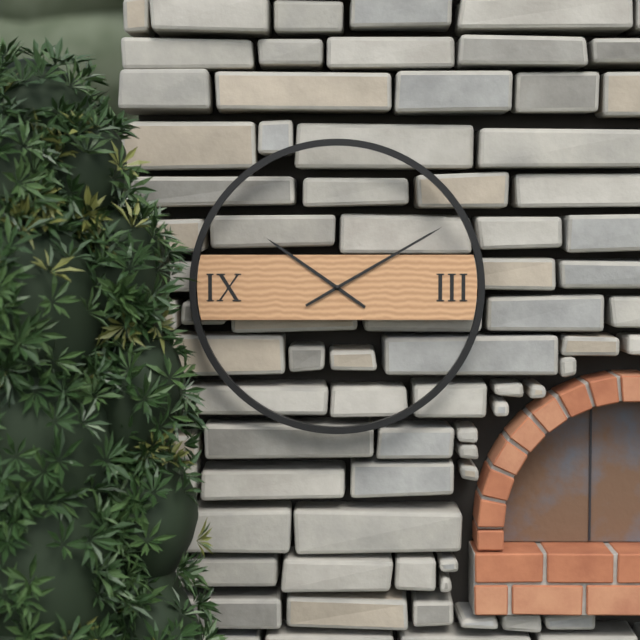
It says 10.10
